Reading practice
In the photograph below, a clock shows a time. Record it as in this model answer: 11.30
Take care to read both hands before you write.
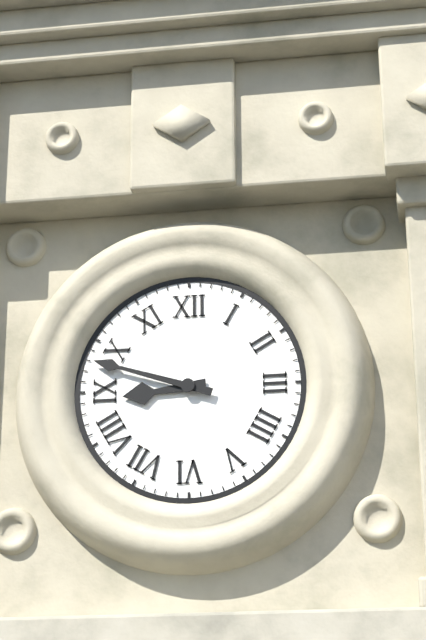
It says 8.48
